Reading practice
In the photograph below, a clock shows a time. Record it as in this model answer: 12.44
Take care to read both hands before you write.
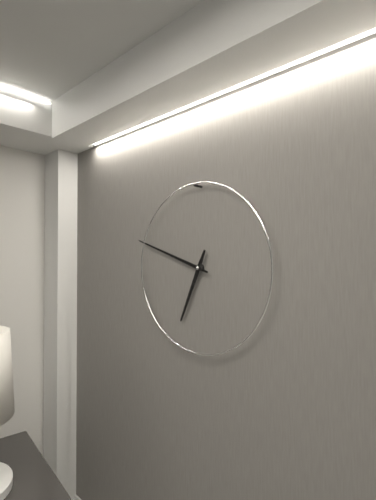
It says 6.48
